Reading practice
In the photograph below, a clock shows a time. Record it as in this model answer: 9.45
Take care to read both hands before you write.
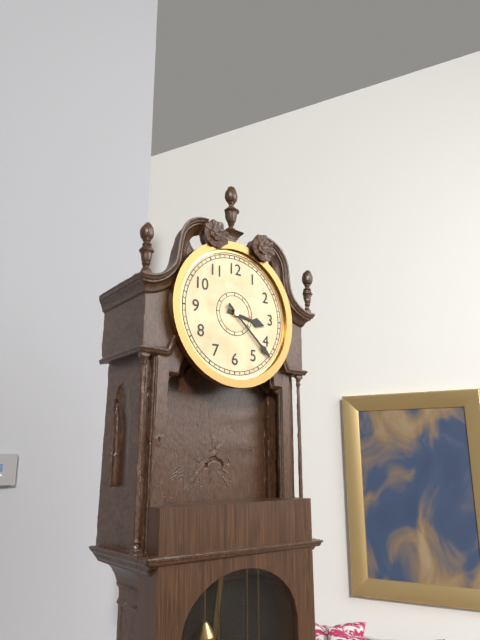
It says 3.22
